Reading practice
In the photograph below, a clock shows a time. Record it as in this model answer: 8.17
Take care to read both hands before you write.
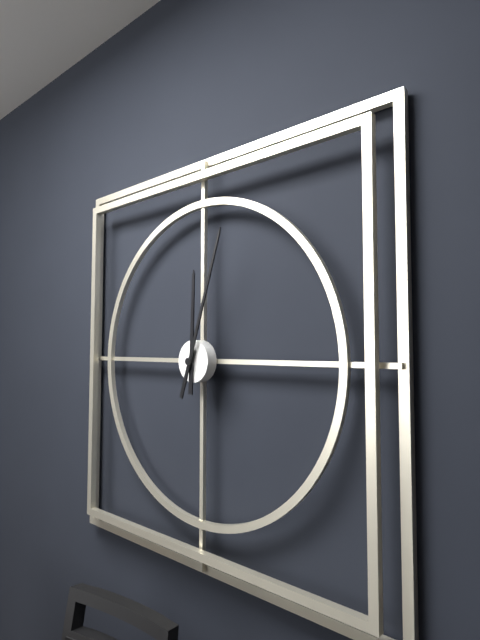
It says 12.03
